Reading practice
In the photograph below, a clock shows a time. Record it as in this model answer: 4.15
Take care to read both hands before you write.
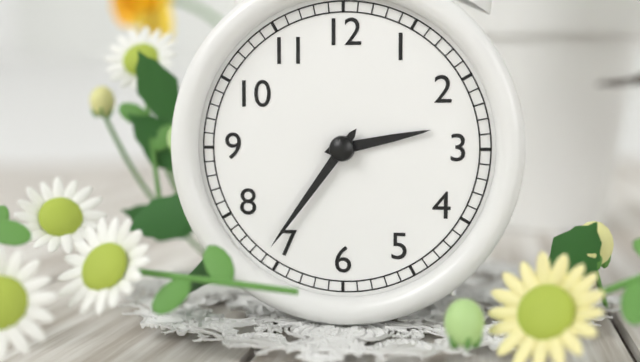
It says 2.36
